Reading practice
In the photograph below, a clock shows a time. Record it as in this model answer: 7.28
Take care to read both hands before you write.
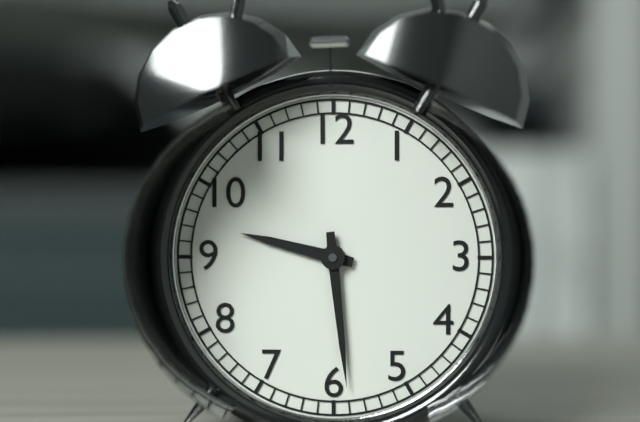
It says 9.29
